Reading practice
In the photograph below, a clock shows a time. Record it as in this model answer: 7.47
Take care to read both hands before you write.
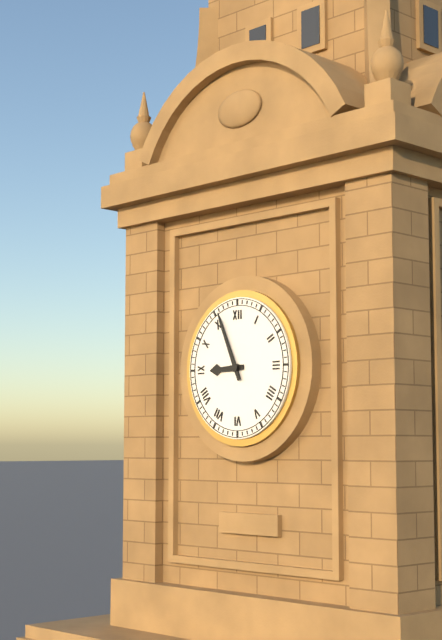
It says 8.56
